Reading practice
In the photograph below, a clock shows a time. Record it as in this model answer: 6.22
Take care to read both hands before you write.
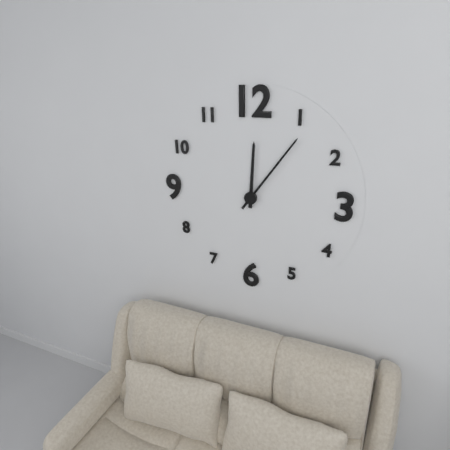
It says 12.06
